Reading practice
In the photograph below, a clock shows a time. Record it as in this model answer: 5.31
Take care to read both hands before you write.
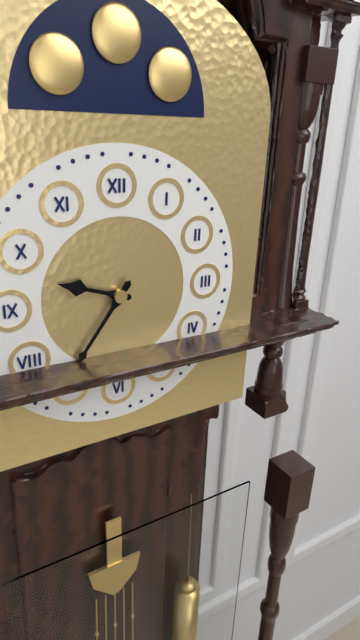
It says 9.36
